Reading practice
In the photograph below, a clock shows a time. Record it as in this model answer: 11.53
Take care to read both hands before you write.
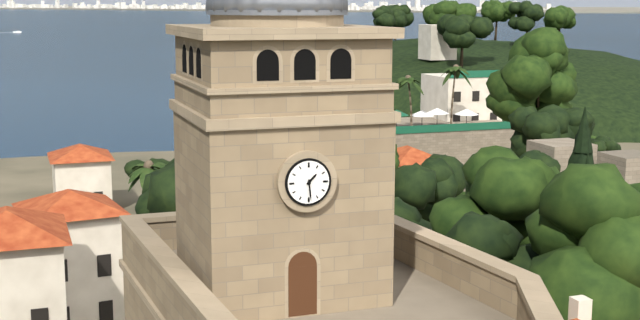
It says 1.29
